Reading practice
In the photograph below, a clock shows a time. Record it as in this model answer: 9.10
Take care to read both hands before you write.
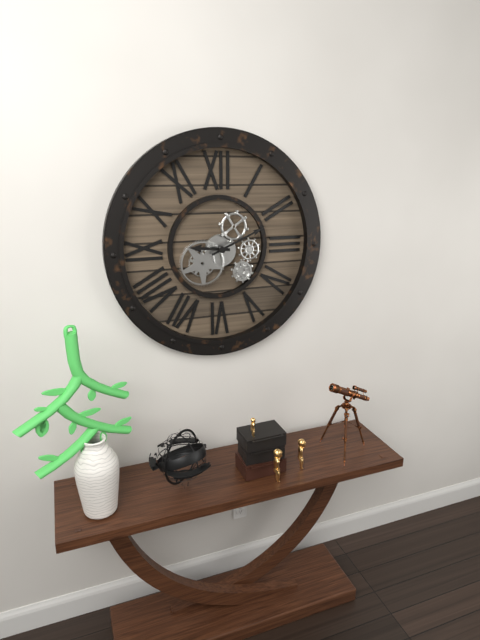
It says 9.11
